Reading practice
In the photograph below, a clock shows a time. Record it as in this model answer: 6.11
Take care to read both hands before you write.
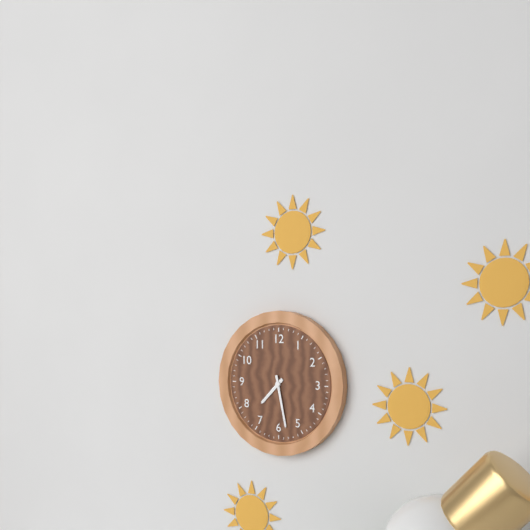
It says 7.28
